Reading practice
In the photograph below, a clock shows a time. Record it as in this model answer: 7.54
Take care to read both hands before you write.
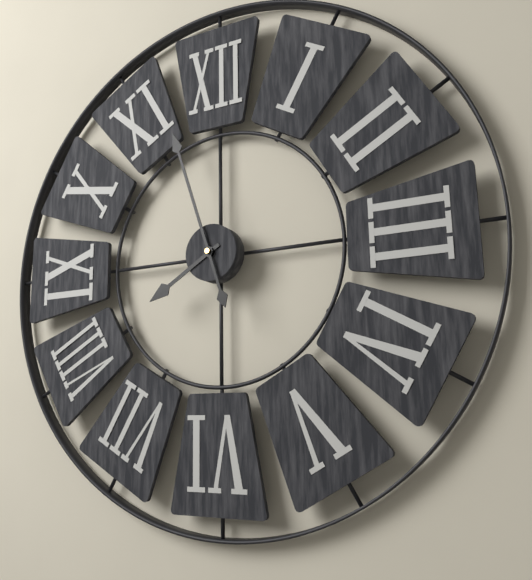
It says 7.57
